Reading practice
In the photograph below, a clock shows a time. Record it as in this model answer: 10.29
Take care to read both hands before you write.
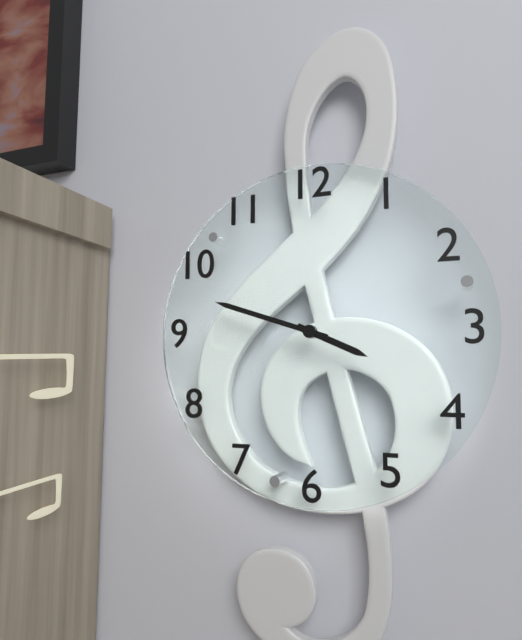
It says 3.48
